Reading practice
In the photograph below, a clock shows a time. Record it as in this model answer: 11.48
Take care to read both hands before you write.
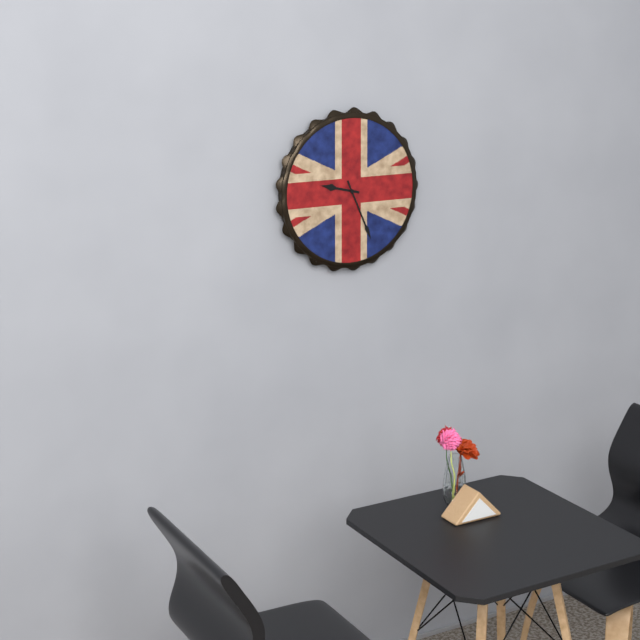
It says 9.26
